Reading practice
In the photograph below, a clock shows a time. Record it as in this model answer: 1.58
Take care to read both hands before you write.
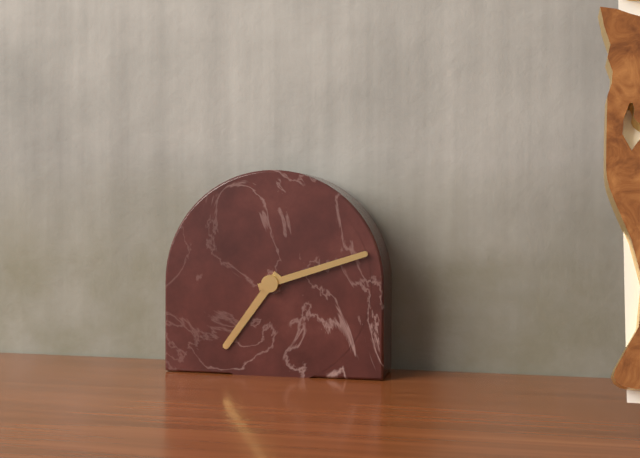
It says 7.12
